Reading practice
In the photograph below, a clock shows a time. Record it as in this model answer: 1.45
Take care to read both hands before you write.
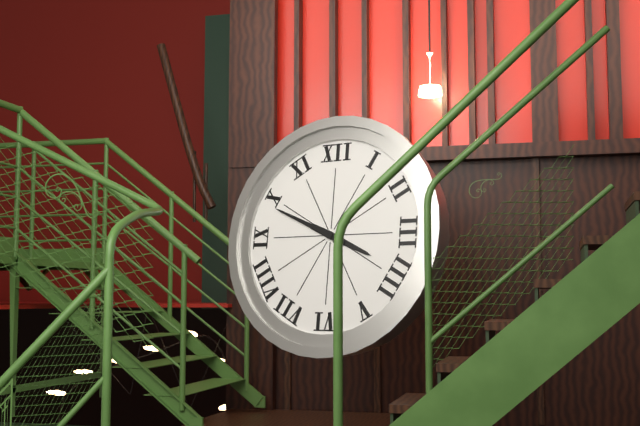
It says 3.49
